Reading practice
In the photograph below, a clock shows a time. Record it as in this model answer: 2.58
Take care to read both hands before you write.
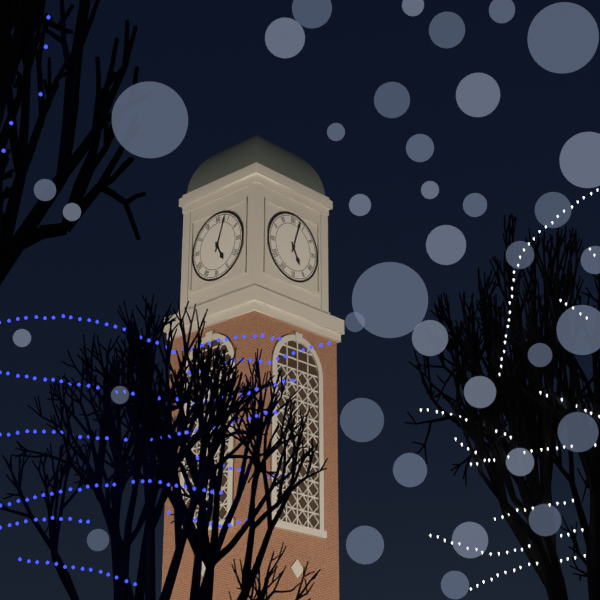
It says 5.03
